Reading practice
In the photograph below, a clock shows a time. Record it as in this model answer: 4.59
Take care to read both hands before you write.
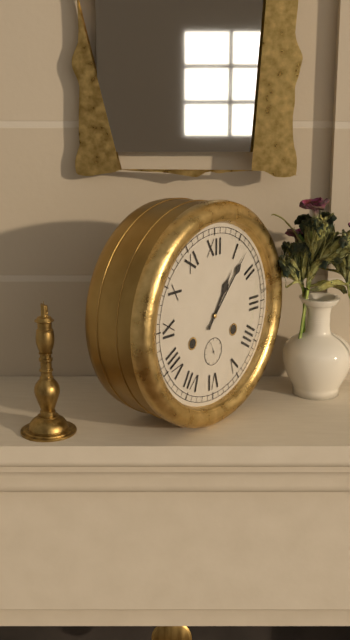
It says 1.07
